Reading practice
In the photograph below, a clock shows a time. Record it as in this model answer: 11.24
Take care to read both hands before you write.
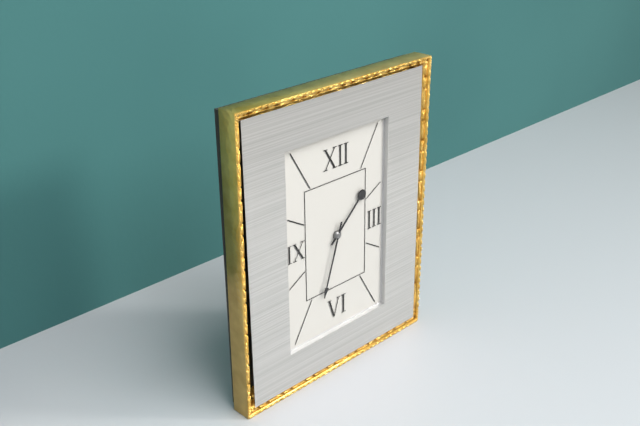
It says 1.33
